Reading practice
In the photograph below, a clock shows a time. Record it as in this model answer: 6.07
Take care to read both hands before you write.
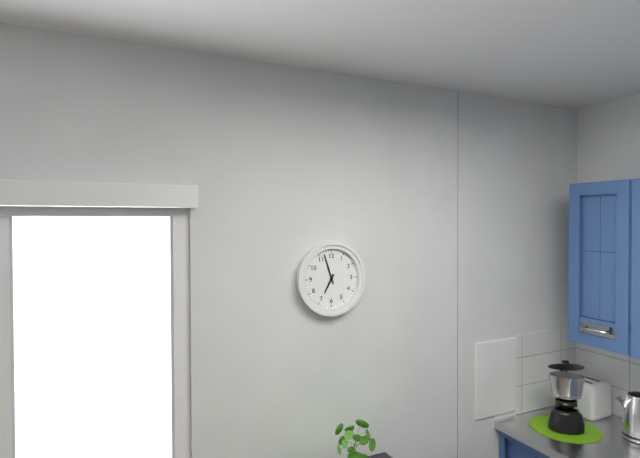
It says 6.57
